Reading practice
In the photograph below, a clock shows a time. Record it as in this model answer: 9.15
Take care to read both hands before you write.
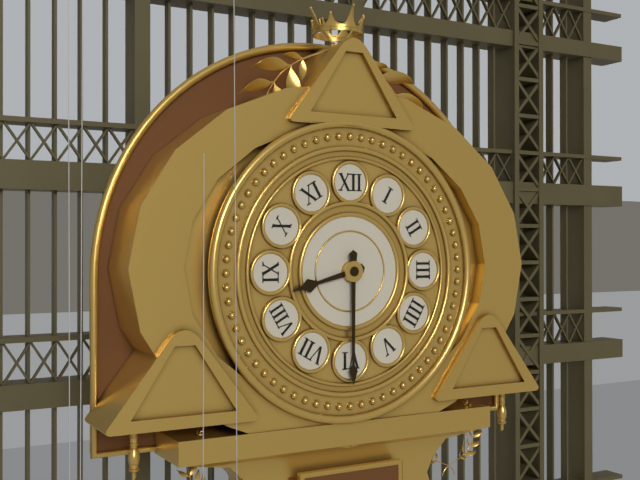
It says 8.30
